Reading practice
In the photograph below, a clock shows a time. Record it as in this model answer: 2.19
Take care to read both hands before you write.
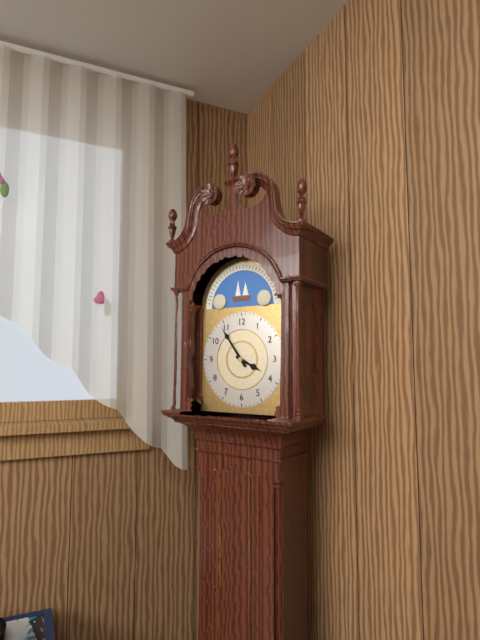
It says 3.54
